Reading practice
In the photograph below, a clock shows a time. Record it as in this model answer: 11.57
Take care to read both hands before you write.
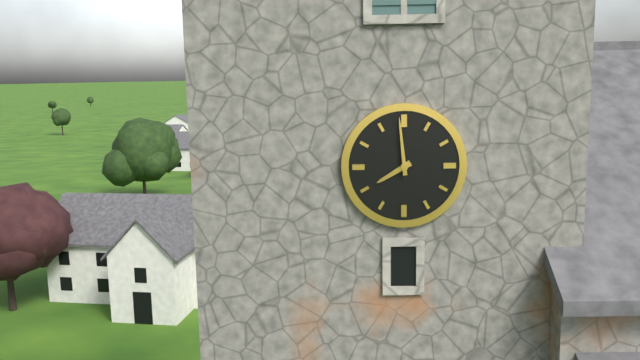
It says 7.59
